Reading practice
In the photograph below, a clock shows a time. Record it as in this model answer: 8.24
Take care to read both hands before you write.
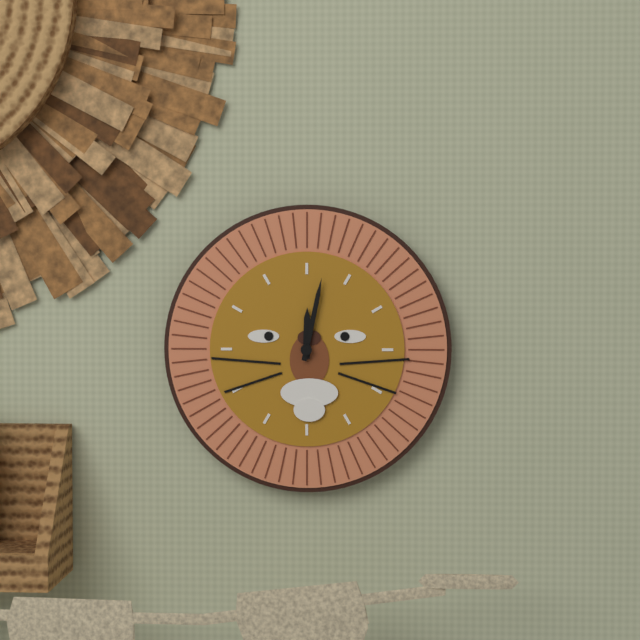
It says 12.02
